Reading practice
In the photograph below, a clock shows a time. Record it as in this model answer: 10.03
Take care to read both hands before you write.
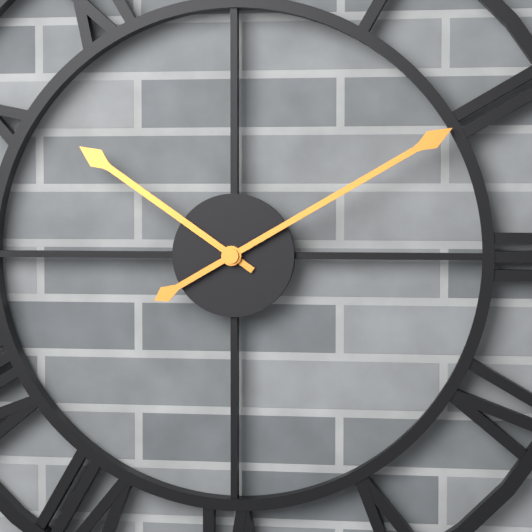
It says 10.10
